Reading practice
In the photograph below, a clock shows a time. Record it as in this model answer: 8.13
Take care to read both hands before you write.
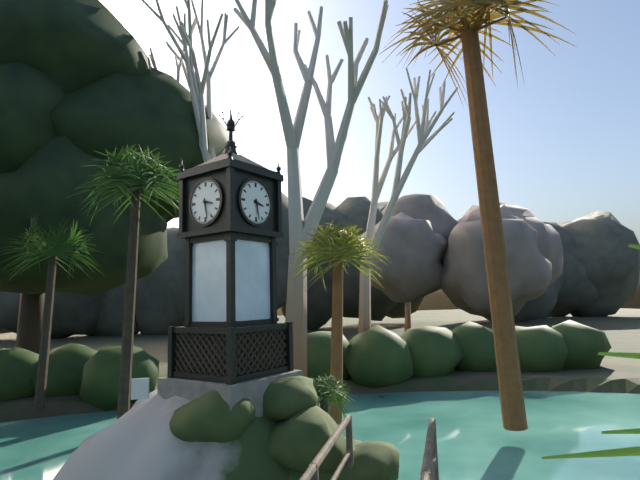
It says 3.28
